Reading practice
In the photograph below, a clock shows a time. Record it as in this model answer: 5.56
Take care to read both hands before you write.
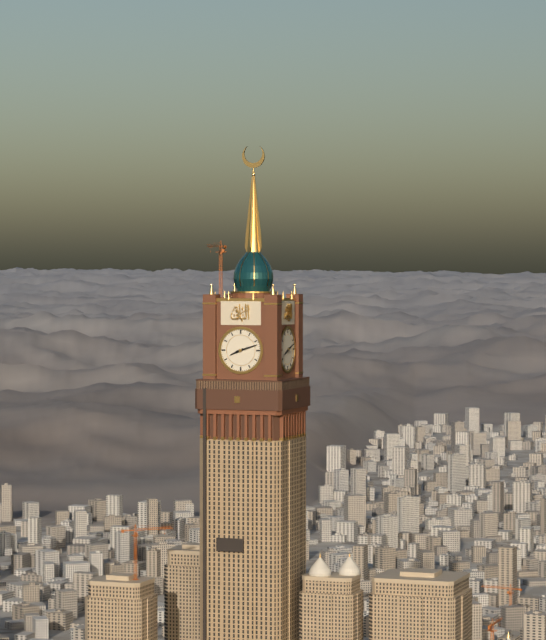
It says 8.12
